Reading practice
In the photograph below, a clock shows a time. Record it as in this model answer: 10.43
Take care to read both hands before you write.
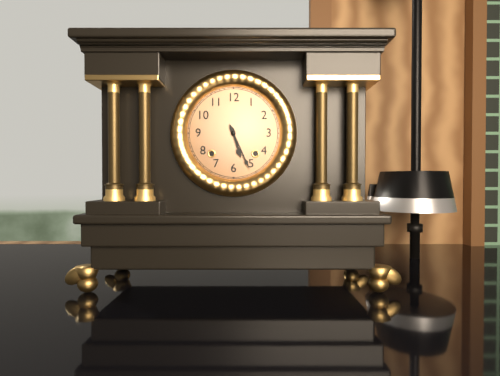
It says 5.26
